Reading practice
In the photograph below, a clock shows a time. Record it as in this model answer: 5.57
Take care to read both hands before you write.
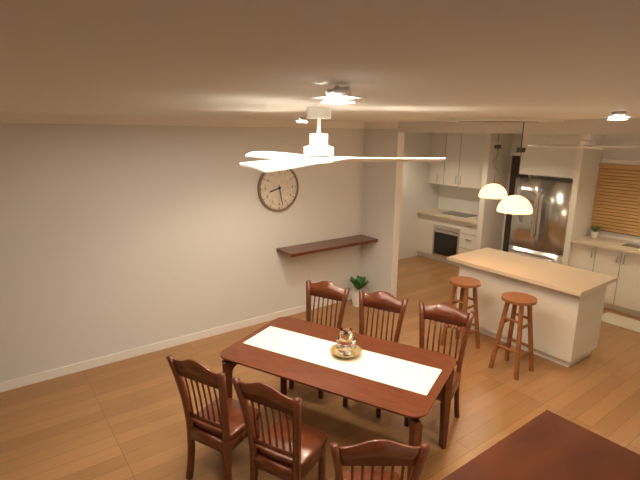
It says 8.28
